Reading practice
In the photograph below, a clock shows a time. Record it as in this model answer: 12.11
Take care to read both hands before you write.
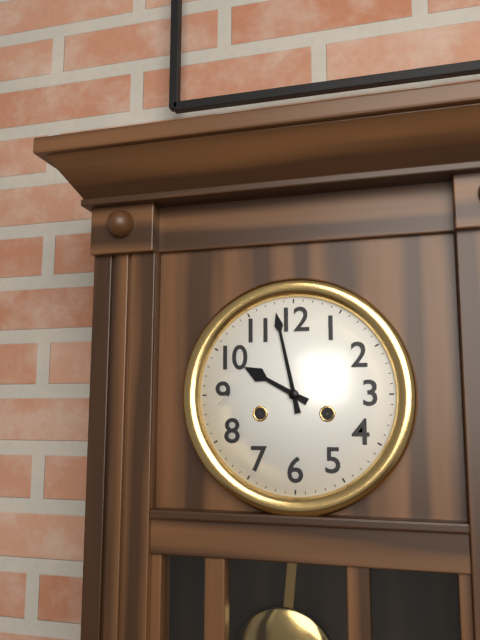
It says 9.58
